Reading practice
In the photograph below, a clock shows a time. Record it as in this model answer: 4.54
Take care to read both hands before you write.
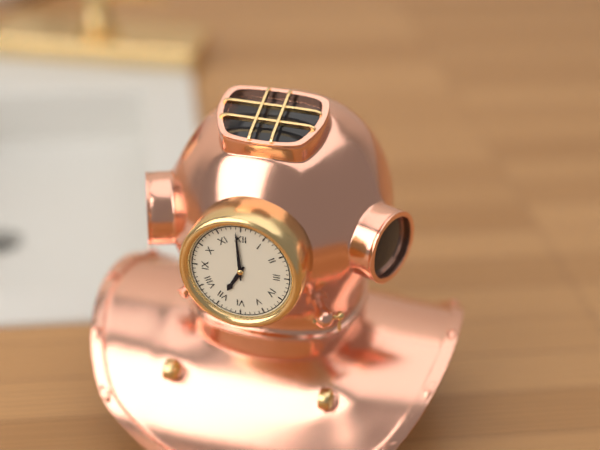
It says 6.59
